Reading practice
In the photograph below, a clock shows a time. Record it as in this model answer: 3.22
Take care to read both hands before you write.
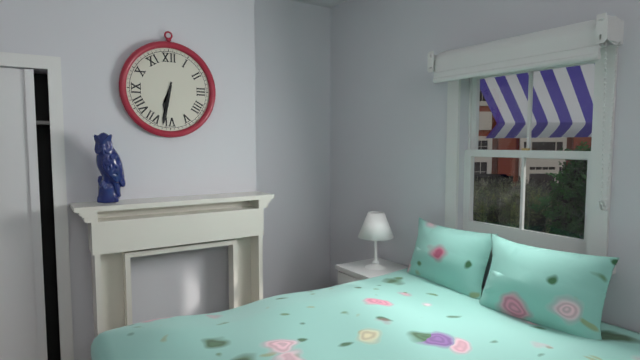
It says 6.32
